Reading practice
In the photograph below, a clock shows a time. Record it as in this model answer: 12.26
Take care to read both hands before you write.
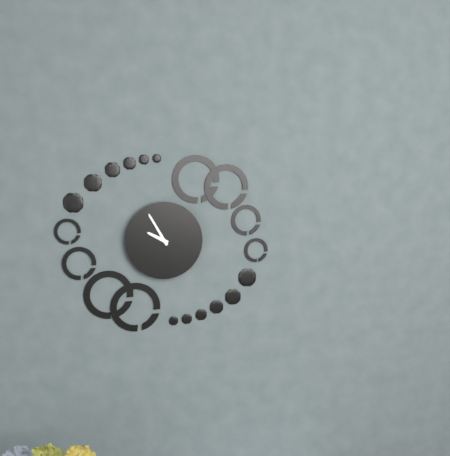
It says 9.55
